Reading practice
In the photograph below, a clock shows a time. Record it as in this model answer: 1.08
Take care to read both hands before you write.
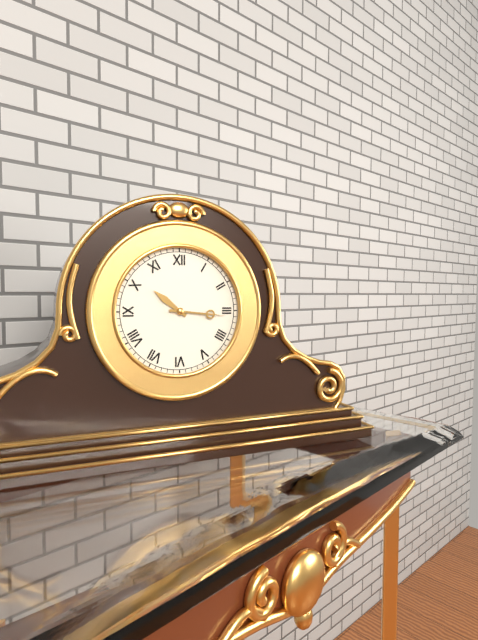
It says 10.16
